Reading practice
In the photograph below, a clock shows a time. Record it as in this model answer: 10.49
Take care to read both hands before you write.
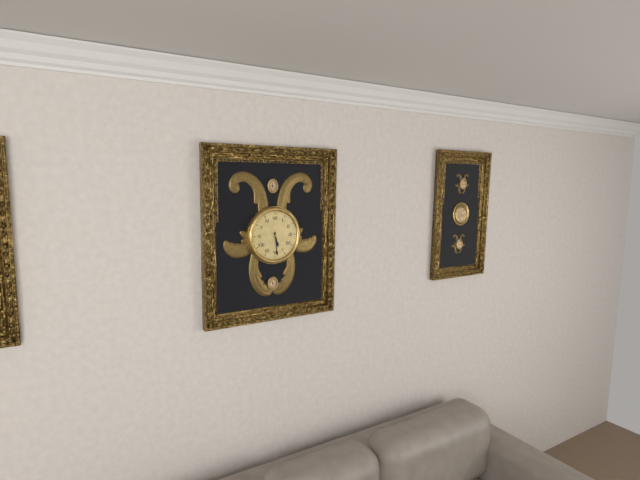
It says 5.29
